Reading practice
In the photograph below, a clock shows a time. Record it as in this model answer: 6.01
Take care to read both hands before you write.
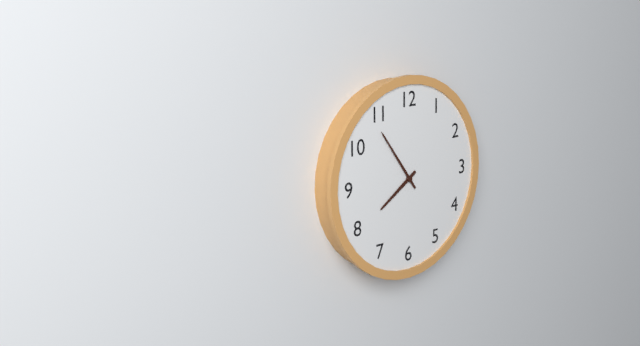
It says 7.54
